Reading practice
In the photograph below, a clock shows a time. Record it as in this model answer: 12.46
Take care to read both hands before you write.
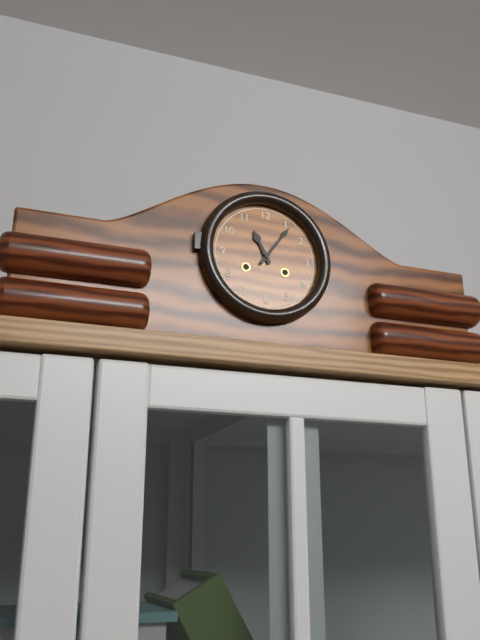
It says 11.06
